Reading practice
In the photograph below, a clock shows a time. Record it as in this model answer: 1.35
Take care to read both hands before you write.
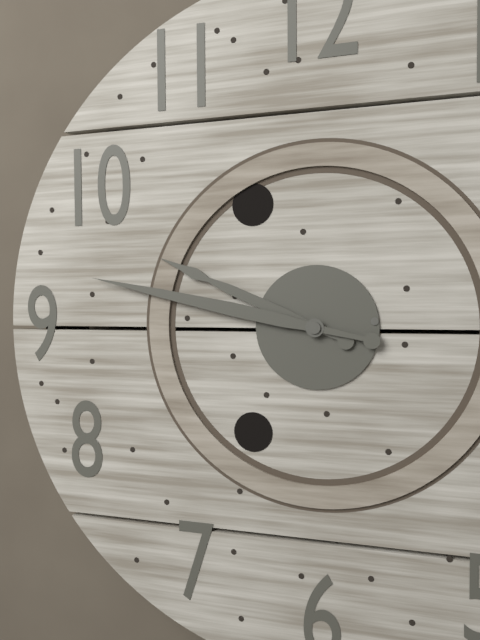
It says 9.47
